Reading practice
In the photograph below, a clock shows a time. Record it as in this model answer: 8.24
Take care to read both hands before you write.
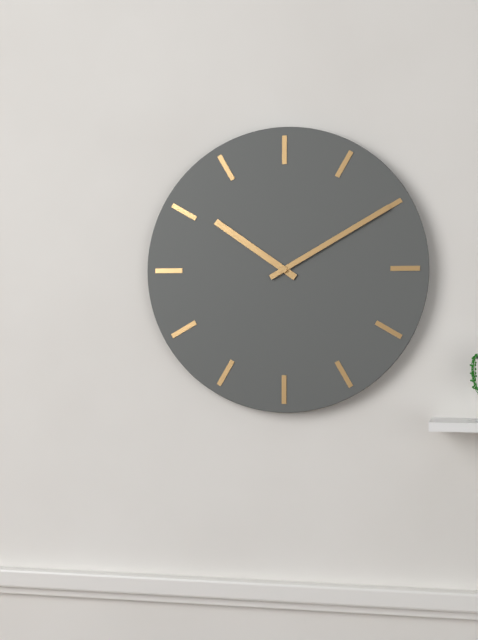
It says 10.10
